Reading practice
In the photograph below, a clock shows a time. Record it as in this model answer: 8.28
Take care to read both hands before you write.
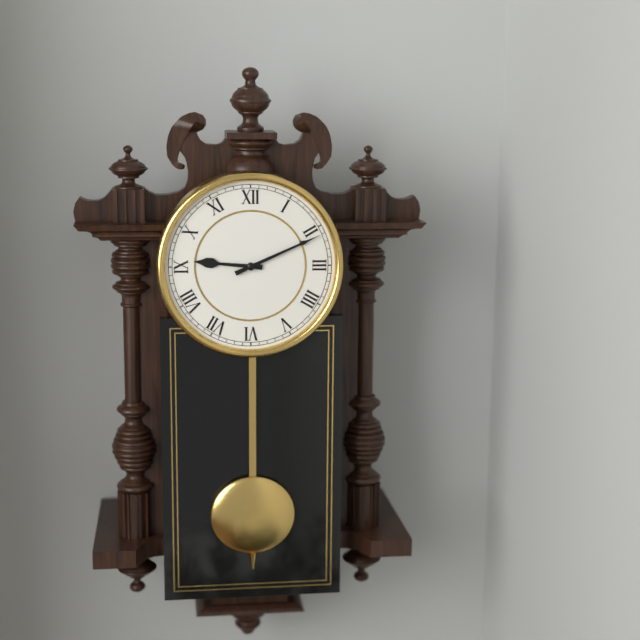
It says 9.11
